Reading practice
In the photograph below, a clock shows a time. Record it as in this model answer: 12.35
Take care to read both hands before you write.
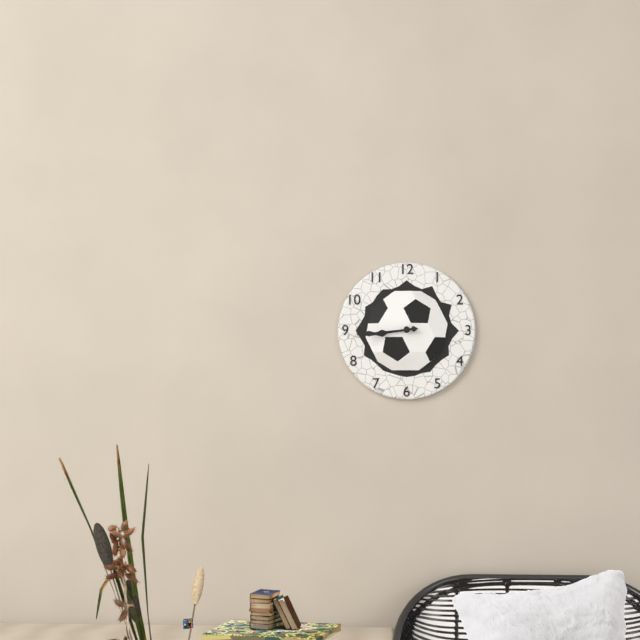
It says 8.44
